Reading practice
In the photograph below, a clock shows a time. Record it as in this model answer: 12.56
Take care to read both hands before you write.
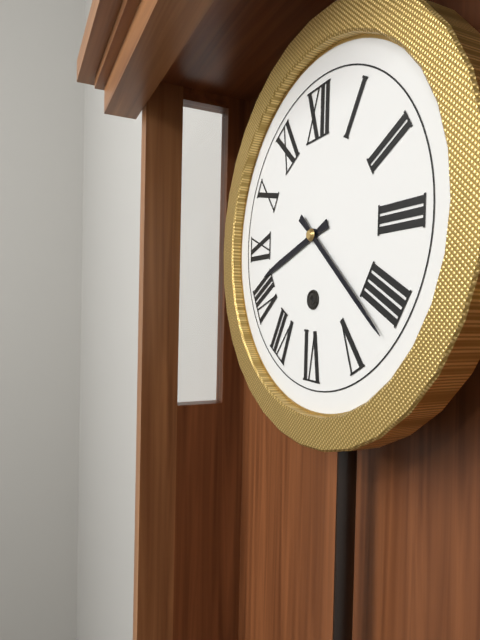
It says 8.22
